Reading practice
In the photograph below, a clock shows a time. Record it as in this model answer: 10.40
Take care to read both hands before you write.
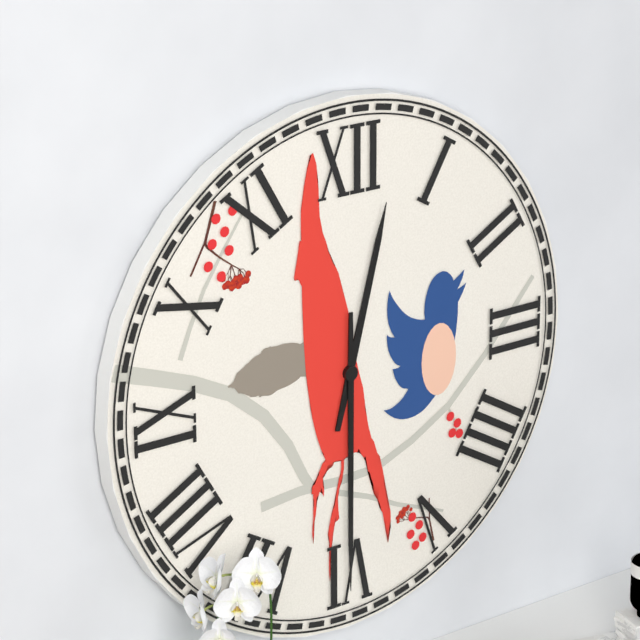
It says 12.30
